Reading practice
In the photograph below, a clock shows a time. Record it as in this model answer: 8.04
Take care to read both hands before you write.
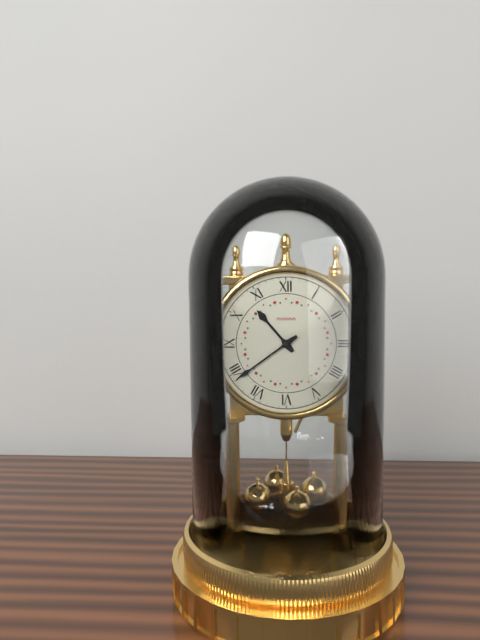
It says 10.39
